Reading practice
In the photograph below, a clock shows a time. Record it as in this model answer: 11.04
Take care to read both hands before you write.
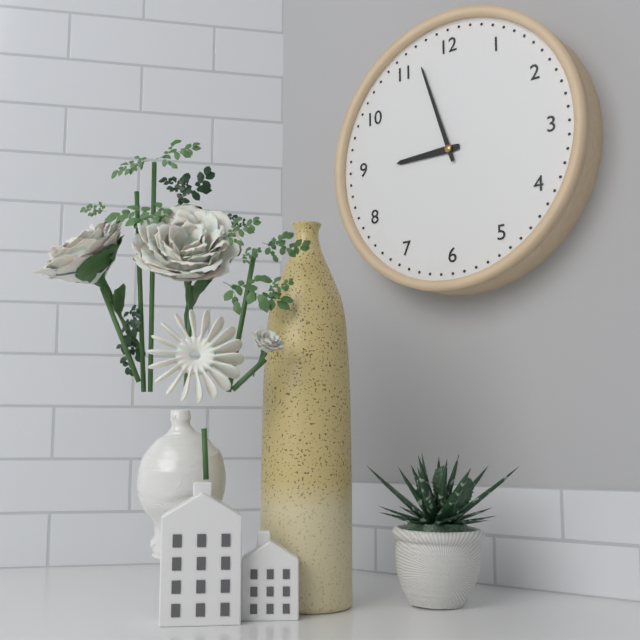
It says 8.57
